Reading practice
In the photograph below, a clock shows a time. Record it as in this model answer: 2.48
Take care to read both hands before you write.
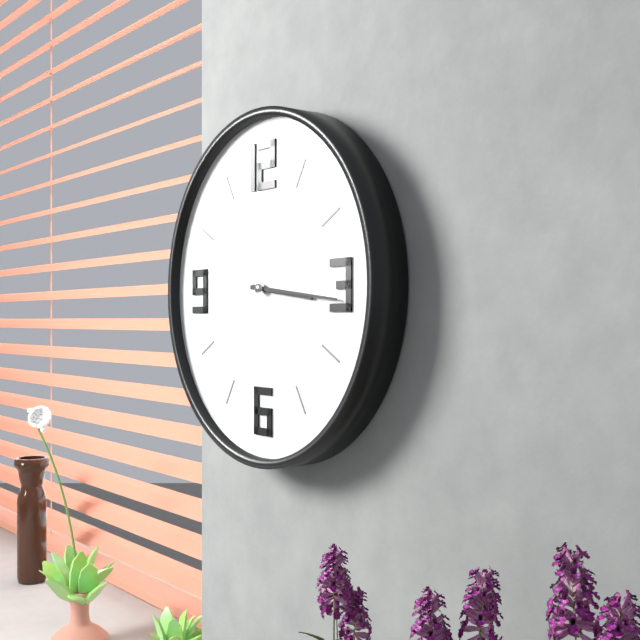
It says 3.16
